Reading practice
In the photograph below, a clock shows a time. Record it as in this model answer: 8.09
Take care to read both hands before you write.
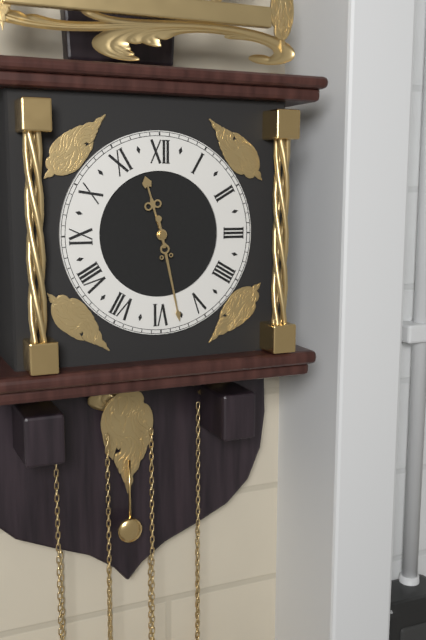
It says 11.28
